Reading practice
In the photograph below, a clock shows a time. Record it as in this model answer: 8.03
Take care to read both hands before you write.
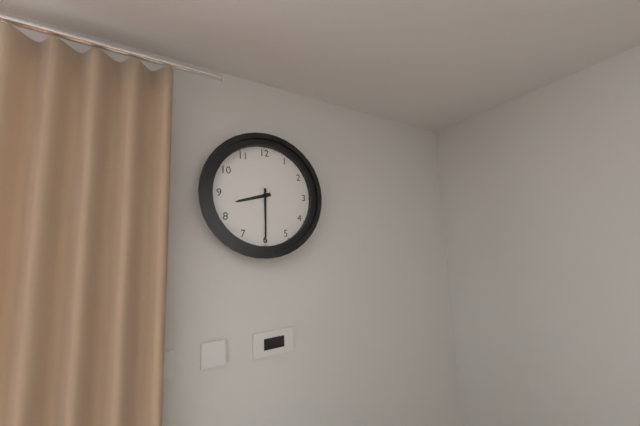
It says 8.30
